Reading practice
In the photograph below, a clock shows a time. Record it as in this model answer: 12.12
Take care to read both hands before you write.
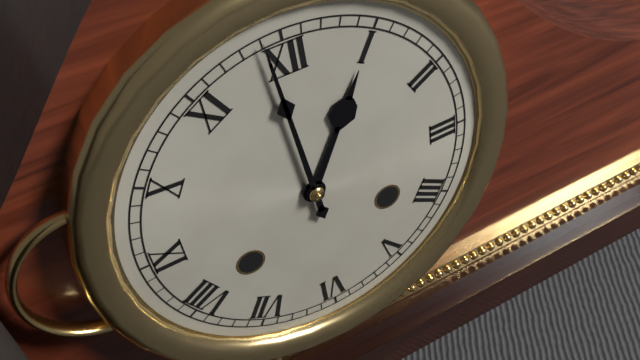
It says 12.59
